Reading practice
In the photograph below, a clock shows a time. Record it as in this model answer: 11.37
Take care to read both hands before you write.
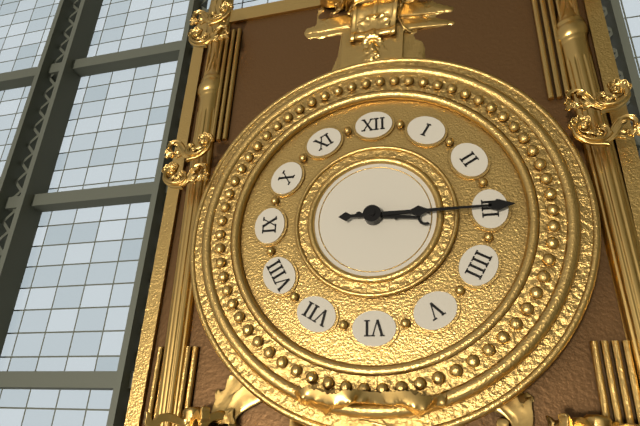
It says 3.15
